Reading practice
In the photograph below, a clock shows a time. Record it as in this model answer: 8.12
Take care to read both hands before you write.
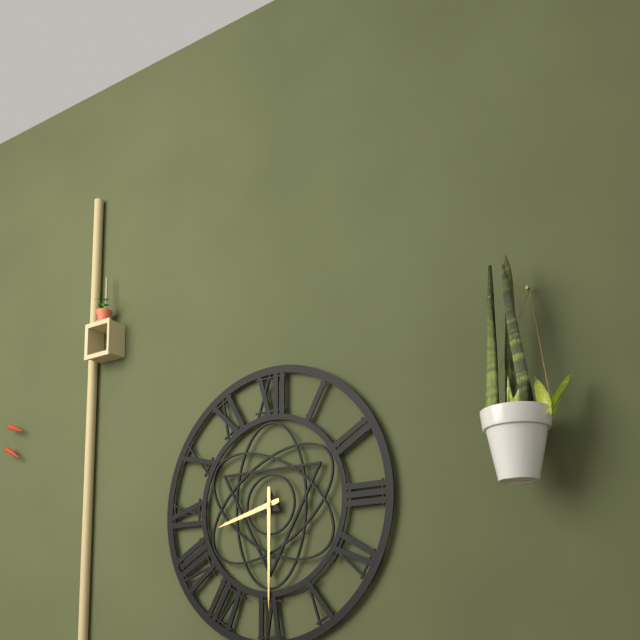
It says 8.30
